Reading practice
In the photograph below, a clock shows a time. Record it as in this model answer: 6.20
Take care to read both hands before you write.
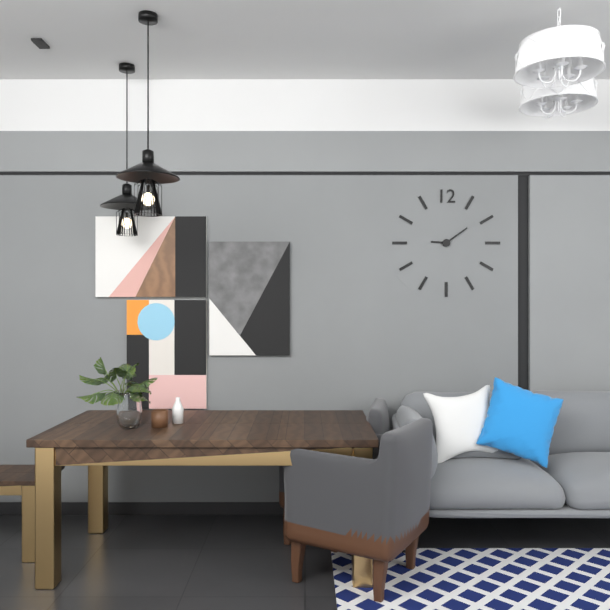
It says 9.09
